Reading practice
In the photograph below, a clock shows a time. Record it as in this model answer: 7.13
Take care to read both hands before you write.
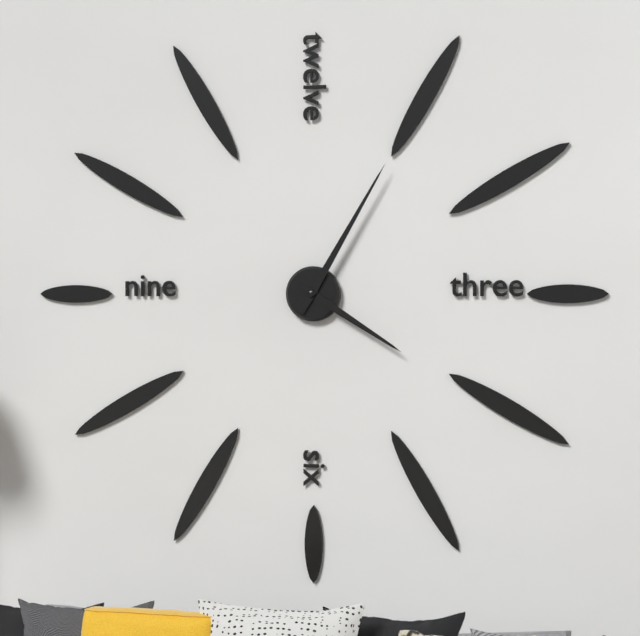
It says 4.05
